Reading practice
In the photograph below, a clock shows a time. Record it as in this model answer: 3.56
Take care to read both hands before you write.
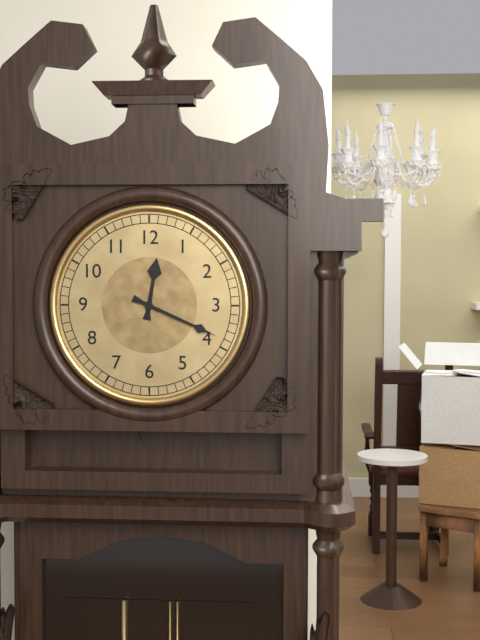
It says 12.19
